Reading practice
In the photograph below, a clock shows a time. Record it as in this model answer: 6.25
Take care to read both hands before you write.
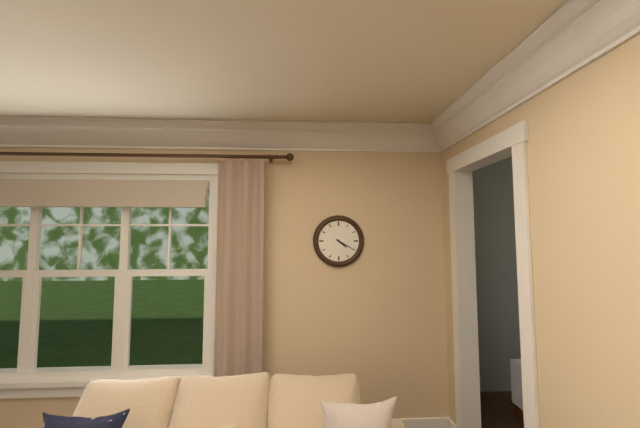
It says 4.20
